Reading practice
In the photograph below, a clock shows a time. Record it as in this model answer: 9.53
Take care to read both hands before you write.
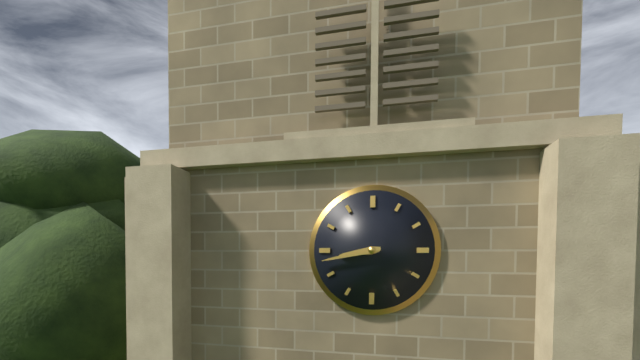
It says 8.43
